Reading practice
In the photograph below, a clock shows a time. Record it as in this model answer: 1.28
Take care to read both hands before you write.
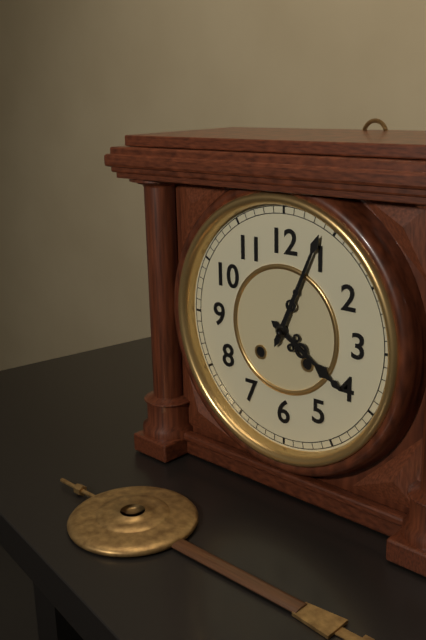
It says 4.04
